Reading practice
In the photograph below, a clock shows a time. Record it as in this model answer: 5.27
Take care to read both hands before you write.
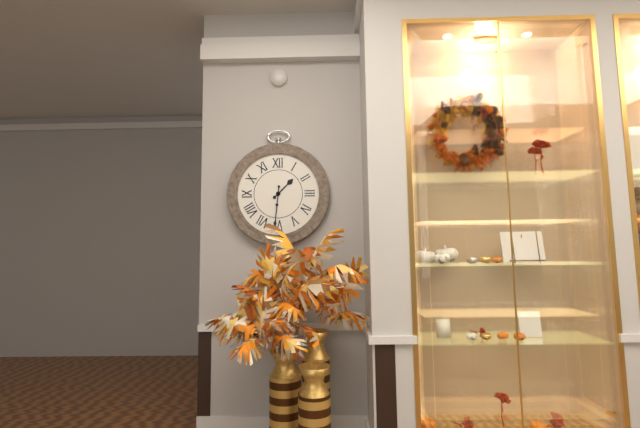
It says 1.31
